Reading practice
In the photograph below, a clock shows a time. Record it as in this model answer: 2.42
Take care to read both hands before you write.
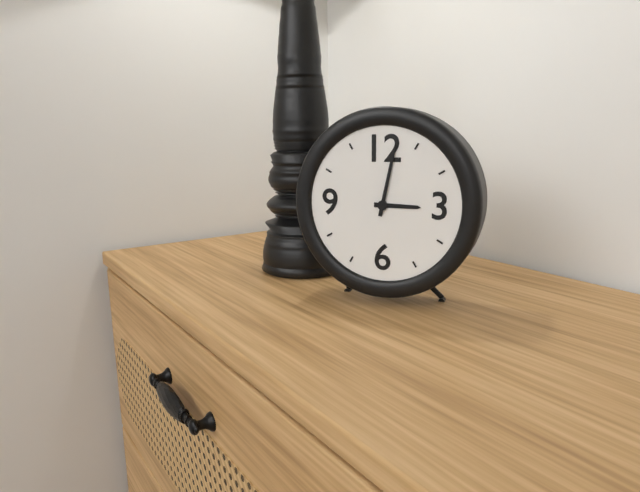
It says 3.02
